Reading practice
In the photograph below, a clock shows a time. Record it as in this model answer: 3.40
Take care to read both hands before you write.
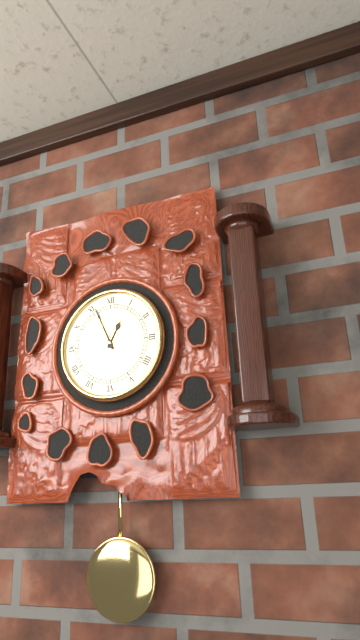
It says 12.56
